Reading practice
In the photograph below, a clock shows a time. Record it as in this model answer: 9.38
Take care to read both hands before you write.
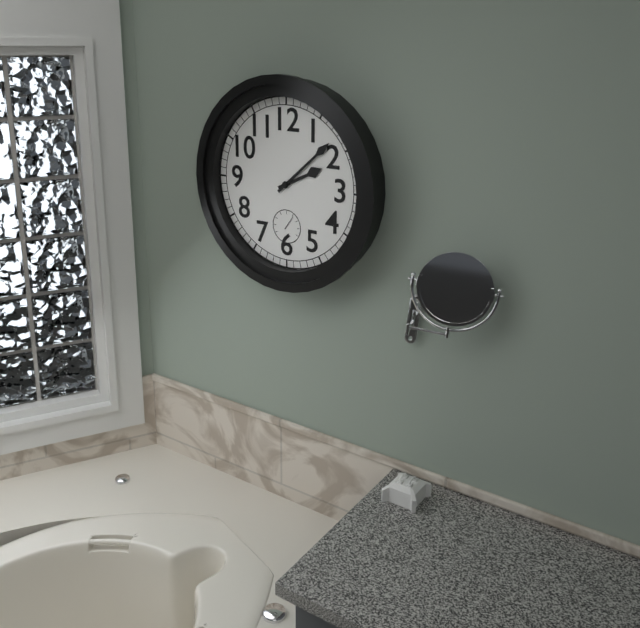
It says 2.08
